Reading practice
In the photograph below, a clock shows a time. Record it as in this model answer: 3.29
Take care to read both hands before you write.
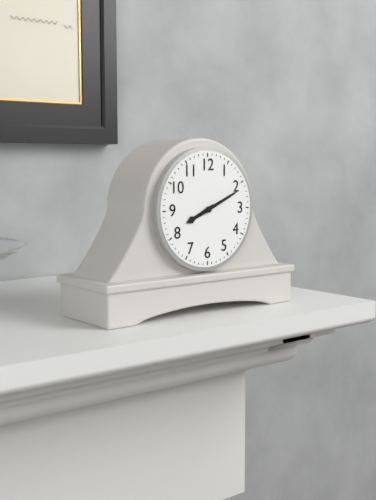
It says 8.11
